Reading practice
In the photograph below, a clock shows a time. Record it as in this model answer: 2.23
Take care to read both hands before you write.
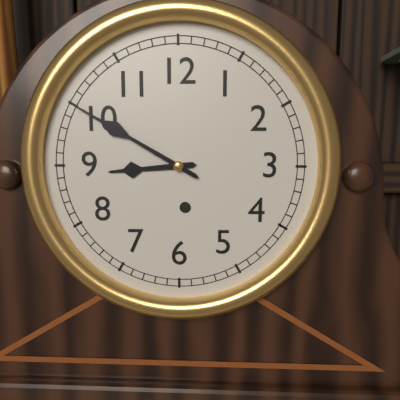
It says 8.50
